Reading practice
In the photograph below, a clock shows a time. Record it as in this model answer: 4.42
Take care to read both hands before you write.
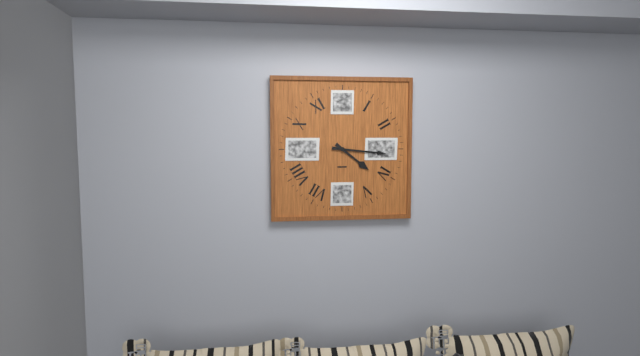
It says 4.16
